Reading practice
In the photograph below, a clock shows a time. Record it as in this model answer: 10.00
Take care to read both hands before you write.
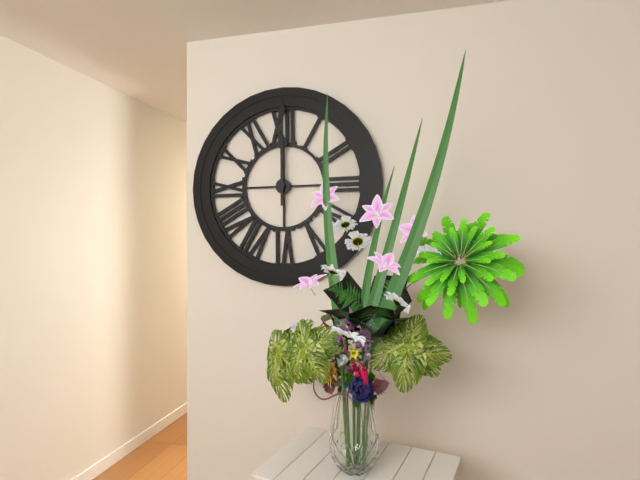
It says 12.00
